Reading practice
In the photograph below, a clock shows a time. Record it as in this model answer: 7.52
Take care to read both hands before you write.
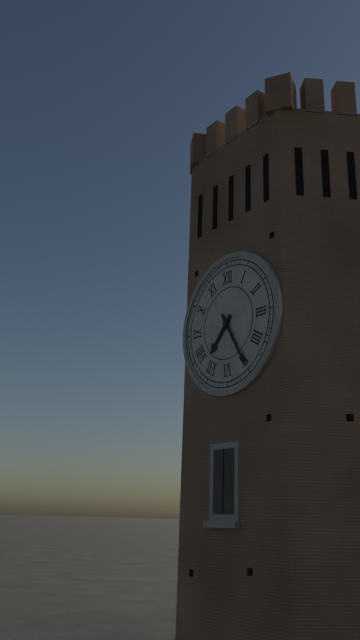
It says 7.25
